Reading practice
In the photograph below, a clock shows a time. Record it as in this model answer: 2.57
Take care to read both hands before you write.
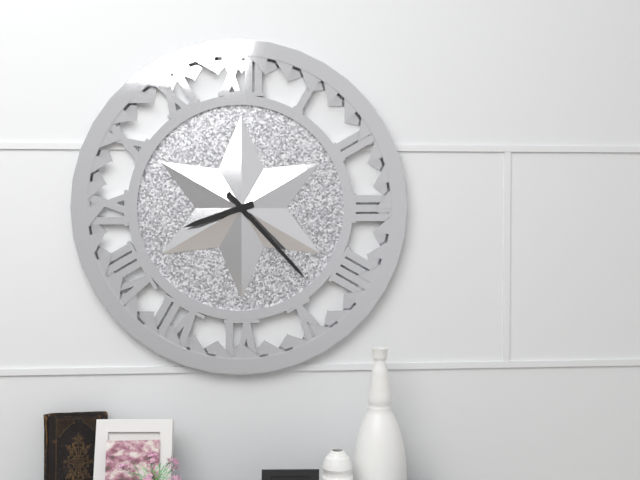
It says 8.23
